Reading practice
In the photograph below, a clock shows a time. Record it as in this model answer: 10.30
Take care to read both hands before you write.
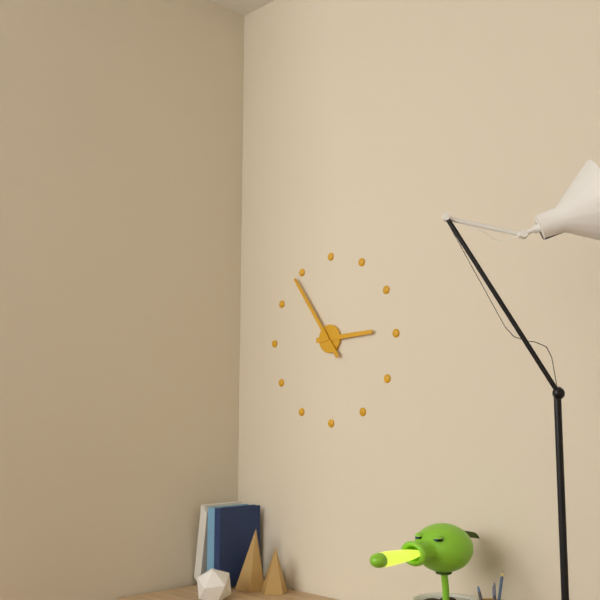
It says 2.54
